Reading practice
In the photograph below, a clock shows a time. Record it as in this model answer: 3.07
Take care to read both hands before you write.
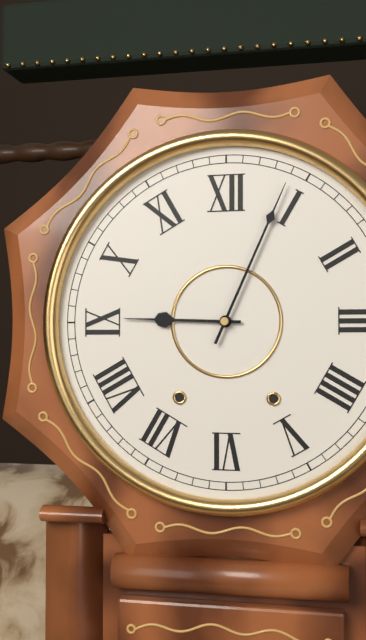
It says 9.04
